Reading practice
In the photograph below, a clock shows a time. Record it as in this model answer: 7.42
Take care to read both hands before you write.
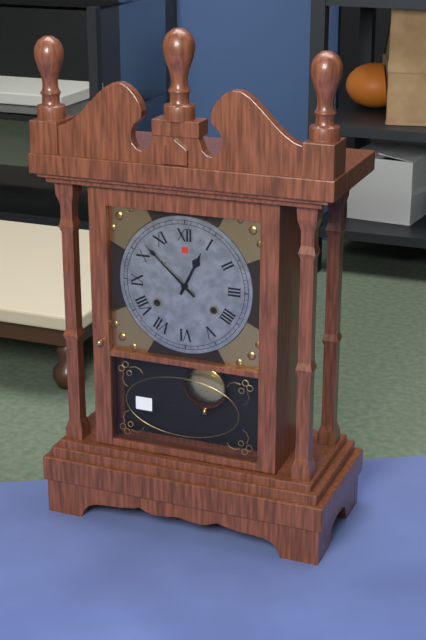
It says 12.52
